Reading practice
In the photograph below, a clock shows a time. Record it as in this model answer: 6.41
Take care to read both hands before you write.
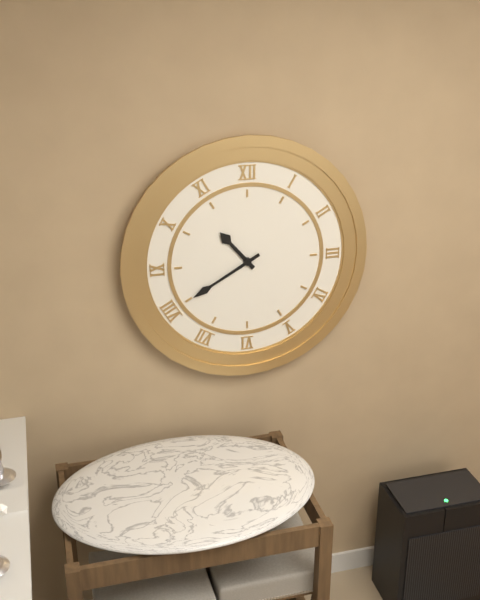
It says 10.40
